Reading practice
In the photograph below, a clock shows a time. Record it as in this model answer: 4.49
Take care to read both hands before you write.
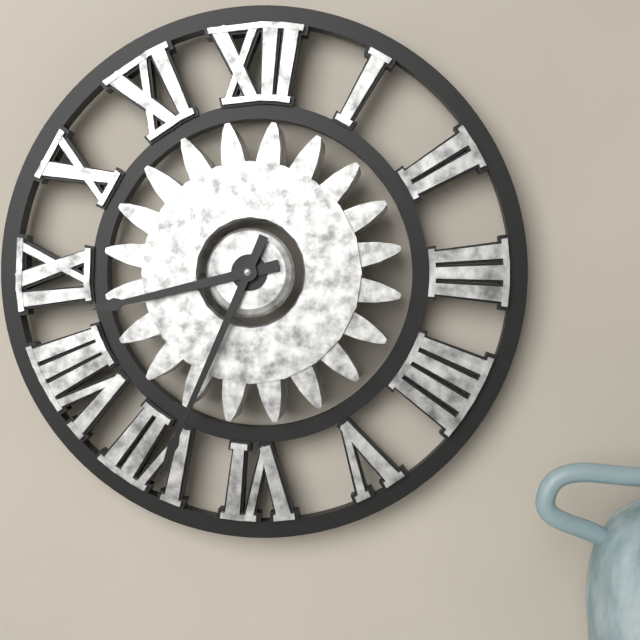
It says 8.34
